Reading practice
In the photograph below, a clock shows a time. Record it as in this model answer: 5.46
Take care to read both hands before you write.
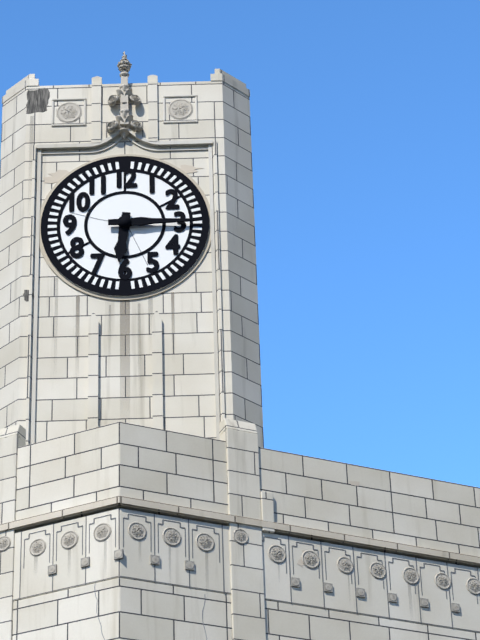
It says 6.15
